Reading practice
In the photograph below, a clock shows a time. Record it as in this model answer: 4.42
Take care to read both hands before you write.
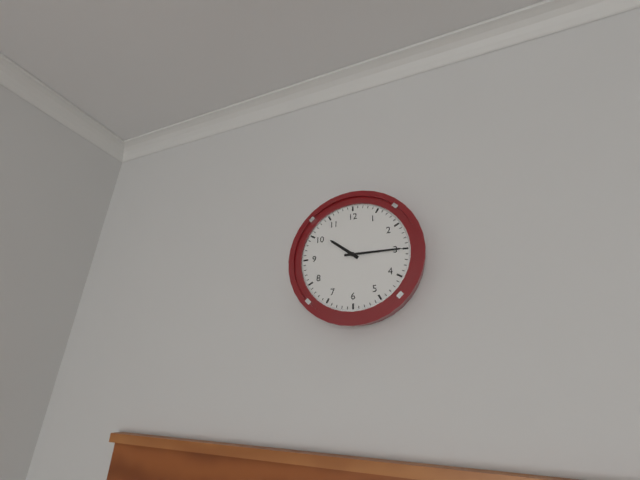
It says 10.15
